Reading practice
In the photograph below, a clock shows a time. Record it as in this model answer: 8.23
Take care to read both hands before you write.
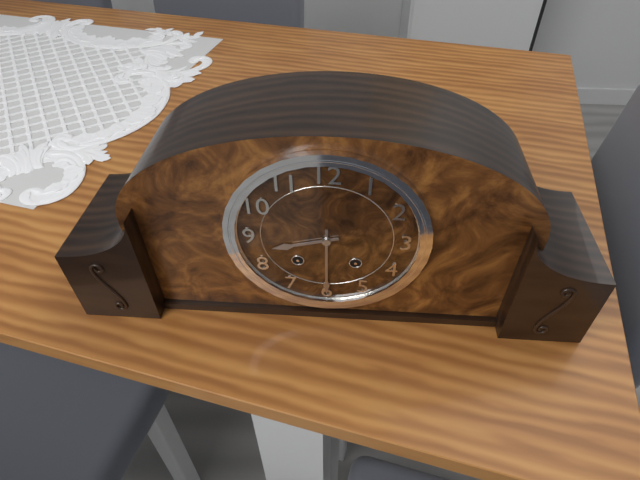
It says 8.30
